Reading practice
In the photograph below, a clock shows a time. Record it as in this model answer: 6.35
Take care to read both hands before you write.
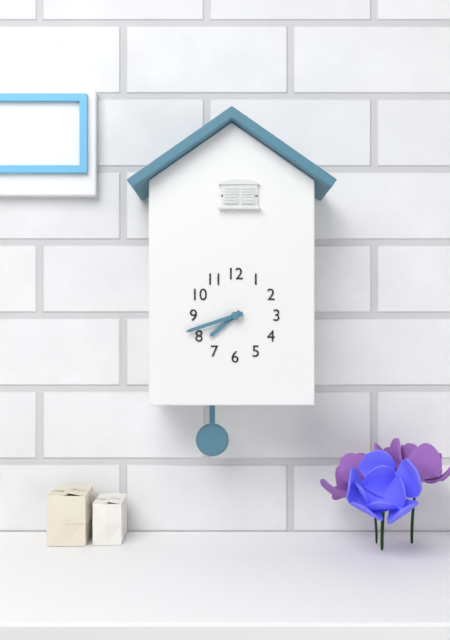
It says 7.42
